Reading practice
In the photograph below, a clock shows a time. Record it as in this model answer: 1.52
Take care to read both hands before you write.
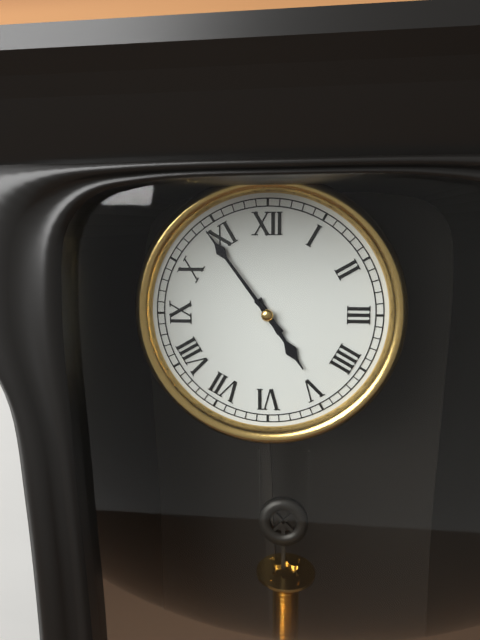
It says 4.54
